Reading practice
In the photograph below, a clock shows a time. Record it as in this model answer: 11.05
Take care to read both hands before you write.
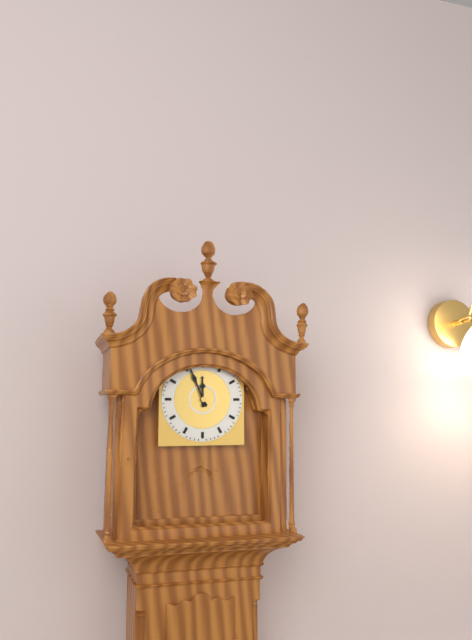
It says 11.56
